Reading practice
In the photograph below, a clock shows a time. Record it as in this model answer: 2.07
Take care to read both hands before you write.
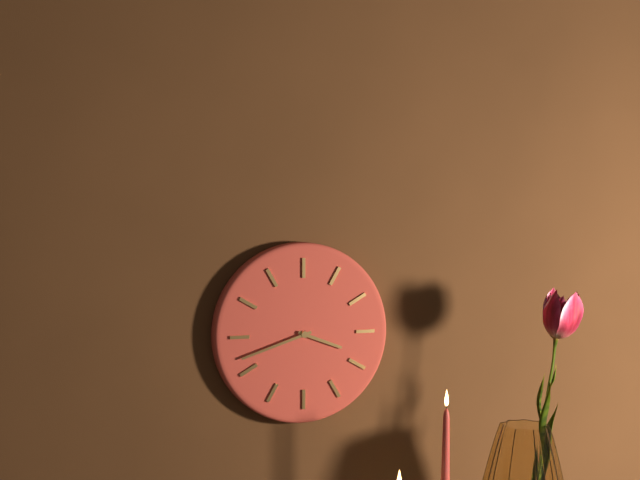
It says 3.42
